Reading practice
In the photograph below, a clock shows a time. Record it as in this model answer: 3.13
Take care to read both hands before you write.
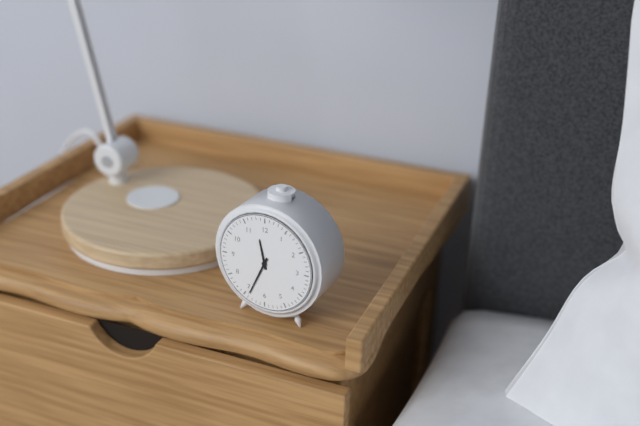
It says 11.34
